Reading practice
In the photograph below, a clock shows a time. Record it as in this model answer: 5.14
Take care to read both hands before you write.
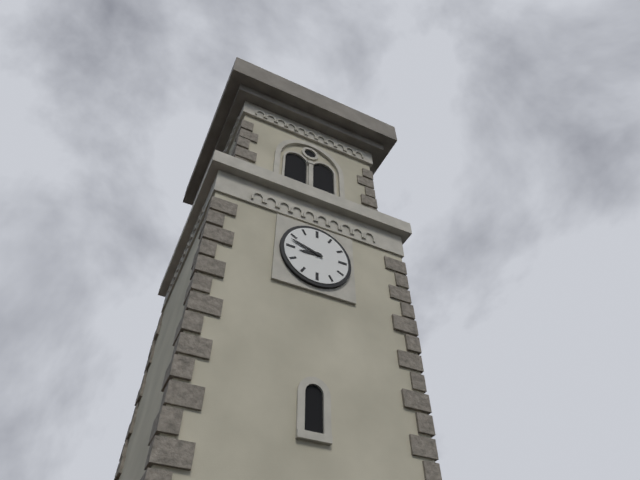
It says 8.48
